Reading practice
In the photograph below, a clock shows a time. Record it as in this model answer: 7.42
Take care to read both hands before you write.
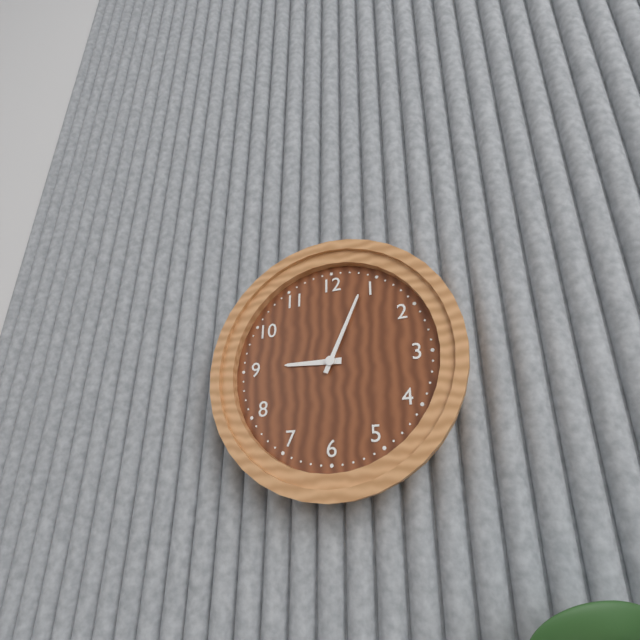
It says 9.04
